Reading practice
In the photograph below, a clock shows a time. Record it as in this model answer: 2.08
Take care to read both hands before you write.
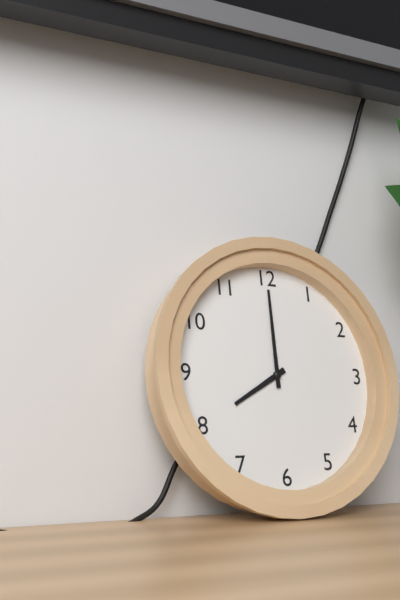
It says 8.00
